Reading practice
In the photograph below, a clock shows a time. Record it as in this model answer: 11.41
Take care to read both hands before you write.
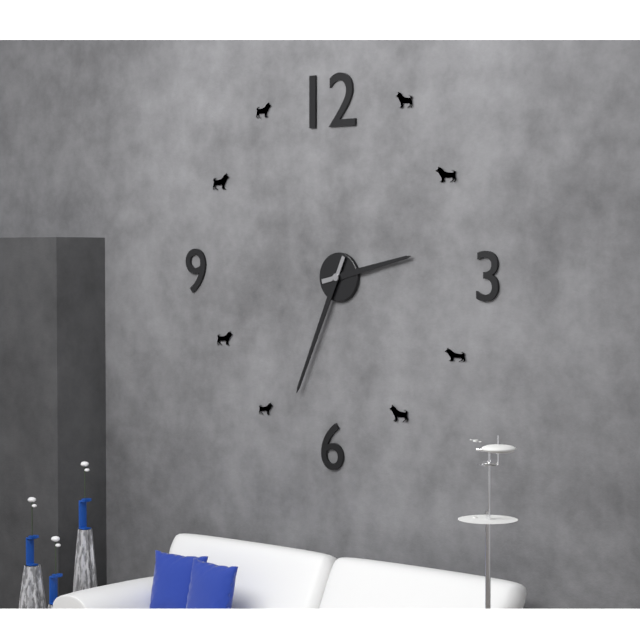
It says 2.34
